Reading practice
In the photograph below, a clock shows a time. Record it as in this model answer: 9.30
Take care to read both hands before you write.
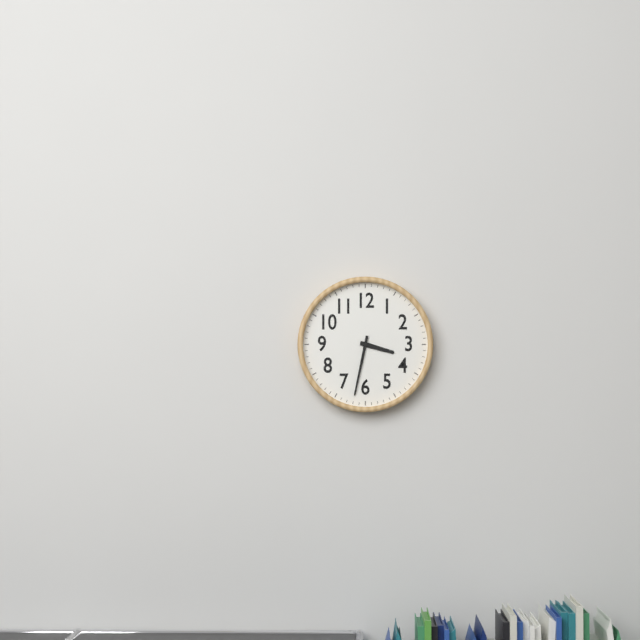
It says 3.32
